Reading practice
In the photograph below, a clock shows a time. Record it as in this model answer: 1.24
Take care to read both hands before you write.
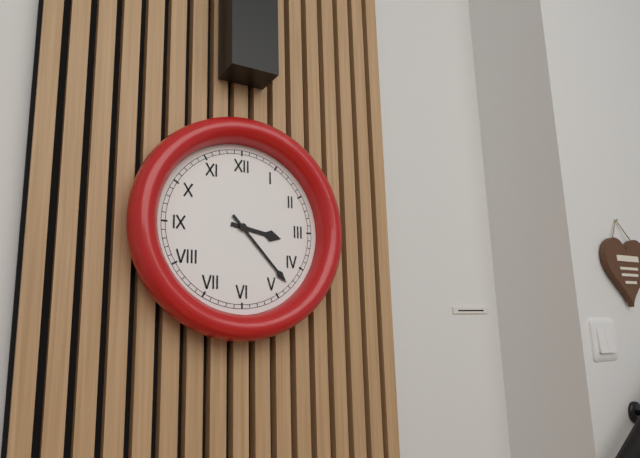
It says 3.23
